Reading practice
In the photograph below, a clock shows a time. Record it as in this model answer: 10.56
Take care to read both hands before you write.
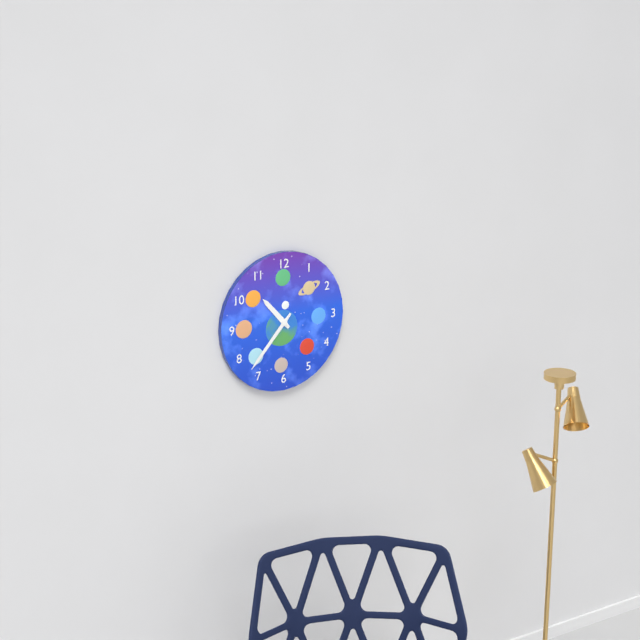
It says 10.37
